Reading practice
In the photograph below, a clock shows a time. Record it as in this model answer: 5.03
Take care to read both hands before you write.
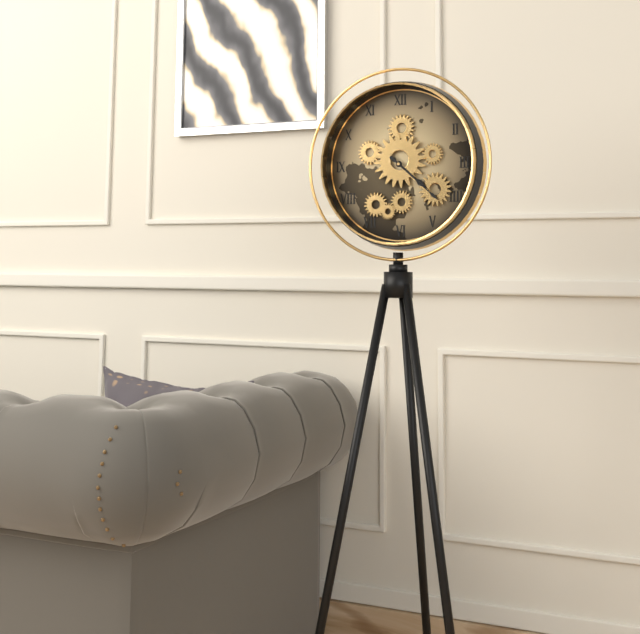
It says 4.22
